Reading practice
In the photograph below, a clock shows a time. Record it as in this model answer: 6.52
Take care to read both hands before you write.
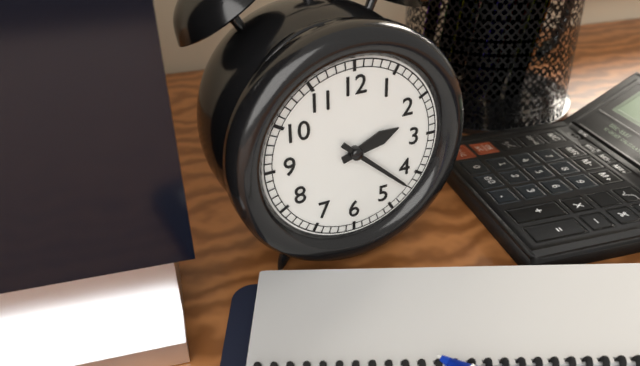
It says 2.22
